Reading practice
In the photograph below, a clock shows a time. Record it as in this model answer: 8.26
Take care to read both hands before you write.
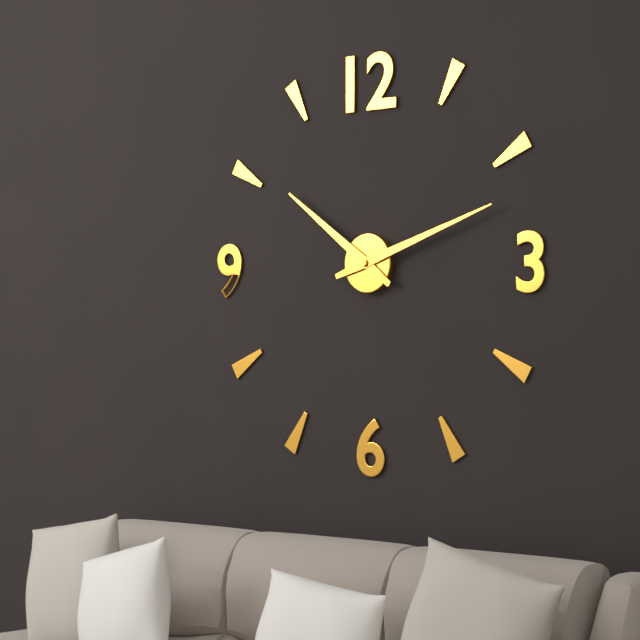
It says 10.12
